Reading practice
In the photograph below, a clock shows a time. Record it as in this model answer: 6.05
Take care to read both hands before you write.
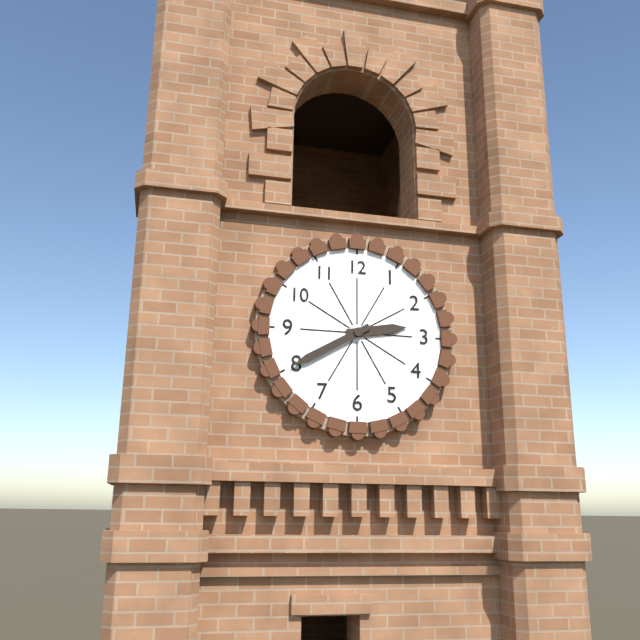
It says 2.40
